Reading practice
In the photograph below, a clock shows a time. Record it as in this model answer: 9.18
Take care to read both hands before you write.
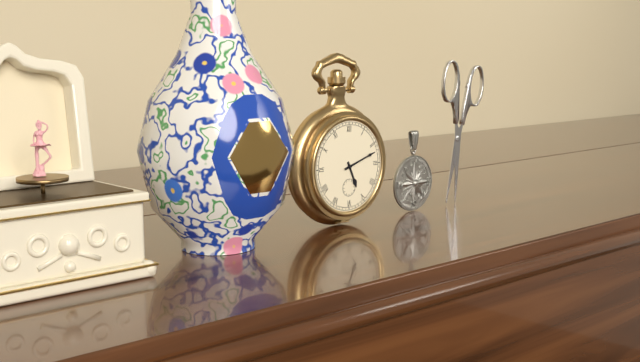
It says 5.12
